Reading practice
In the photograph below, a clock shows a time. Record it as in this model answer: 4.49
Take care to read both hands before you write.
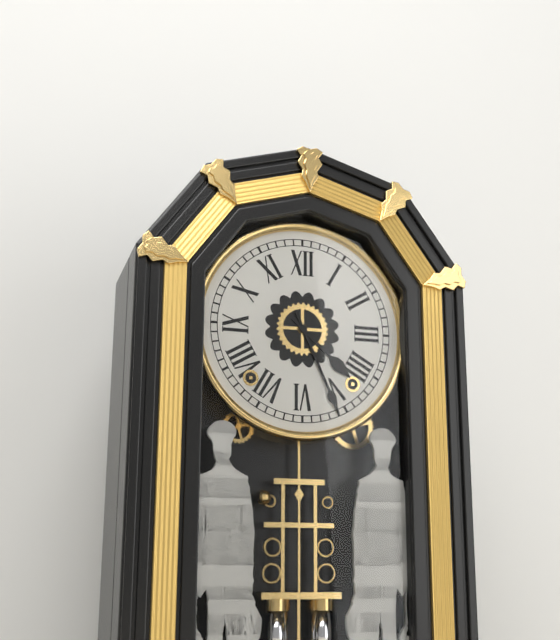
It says 4.26
